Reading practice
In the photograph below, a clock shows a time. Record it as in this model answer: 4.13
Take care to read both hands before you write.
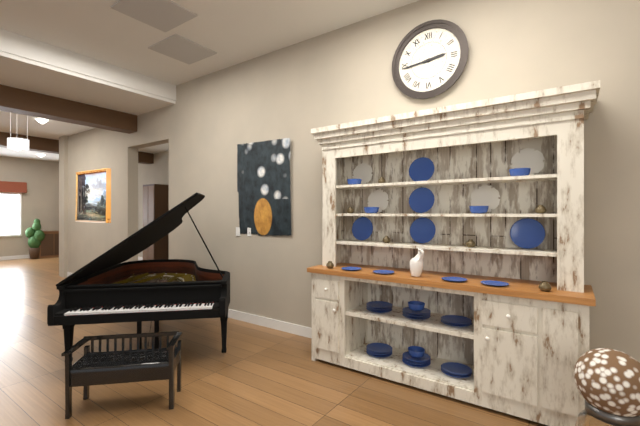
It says 2.44
